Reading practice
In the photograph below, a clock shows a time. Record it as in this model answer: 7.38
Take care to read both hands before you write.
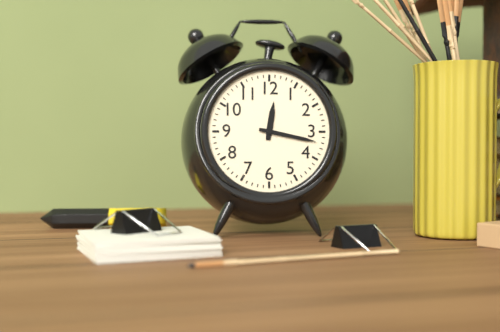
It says 12.17
